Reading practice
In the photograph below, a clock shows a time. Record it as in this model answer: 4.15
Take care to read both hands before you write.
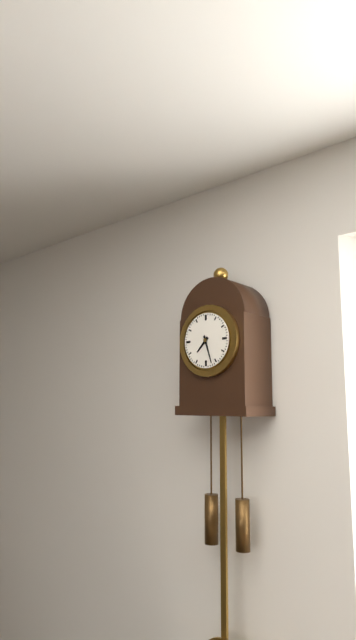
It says 7.27
